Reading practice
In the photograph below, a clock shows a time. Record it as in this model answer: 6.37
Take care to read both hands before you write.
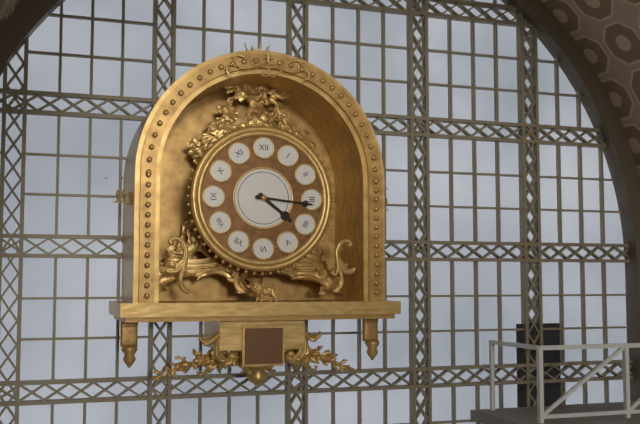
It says 4.16
